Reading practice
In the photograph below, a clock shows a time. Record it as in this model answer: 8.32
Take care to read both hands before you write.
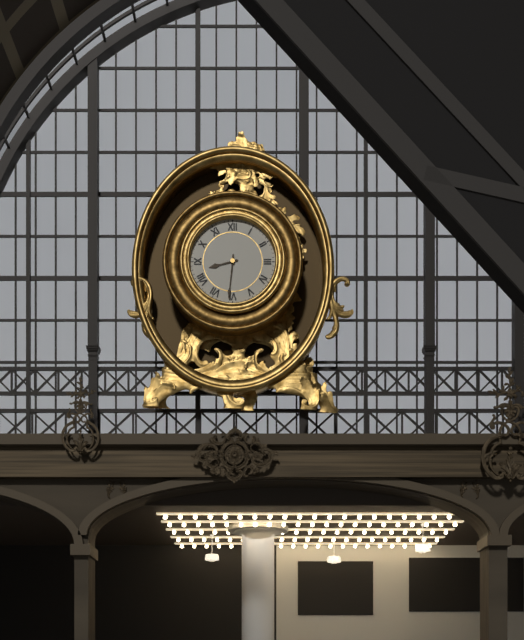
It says 8.31
